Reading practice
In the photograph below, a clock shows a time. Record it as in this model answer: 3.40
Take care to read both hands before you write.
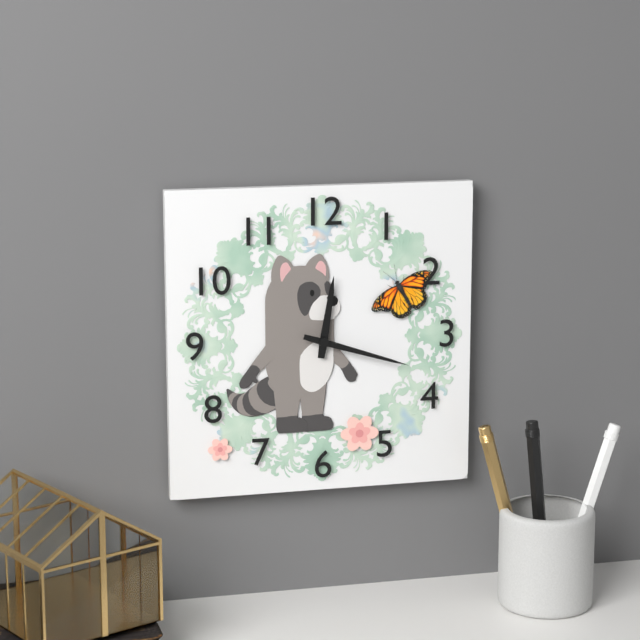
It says 12.18
